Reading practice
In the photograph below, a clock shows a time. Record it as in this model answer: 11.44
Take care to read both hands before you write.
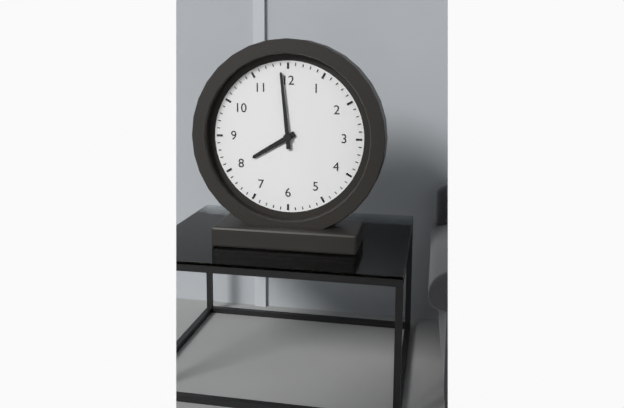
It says 7.59
